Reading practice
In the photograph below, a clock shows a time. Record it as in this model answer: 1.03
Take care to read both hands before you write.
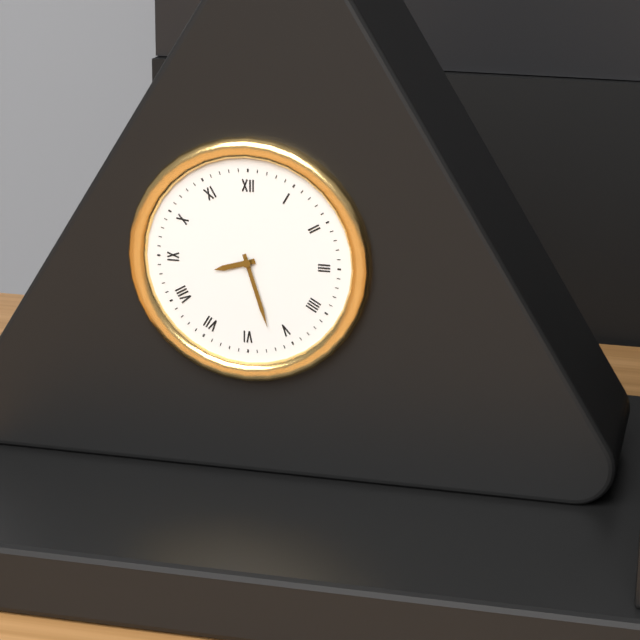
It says 8.27
